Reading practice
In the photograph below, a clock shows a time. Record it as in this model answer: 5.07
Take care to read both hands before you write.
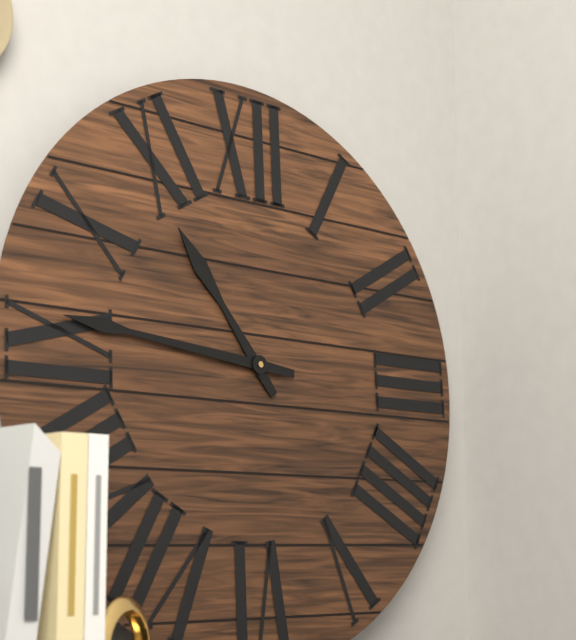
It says 10.46
